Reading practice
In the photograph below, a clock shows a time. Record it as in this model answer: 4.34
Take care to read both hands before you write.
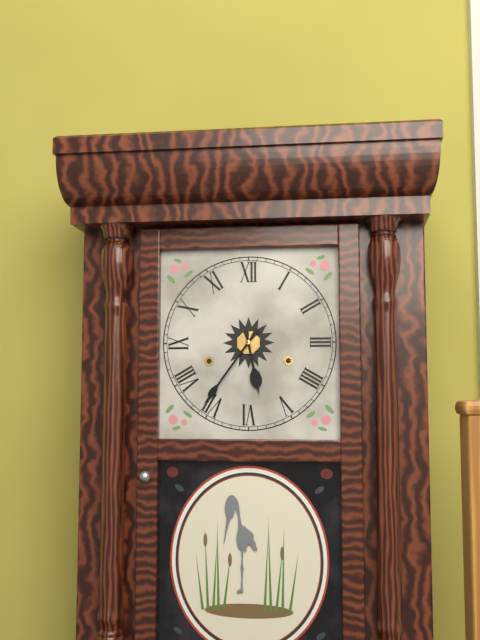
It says 5.36
